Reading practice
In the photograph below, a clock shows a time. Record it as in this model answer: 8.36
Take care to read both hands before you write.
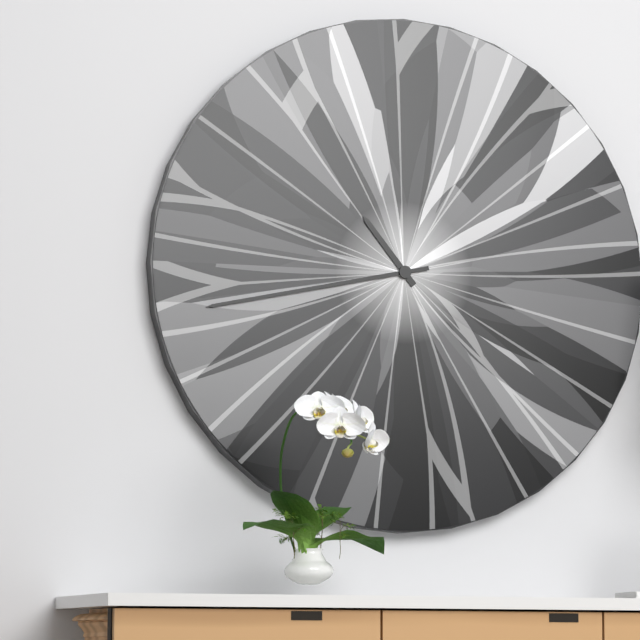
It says 10.43
